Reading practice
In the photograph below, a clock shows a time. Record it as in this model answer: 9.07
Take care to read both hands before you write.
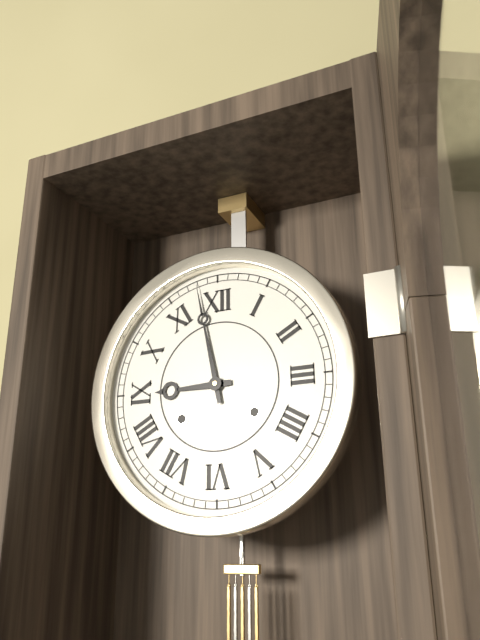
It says 8.58
